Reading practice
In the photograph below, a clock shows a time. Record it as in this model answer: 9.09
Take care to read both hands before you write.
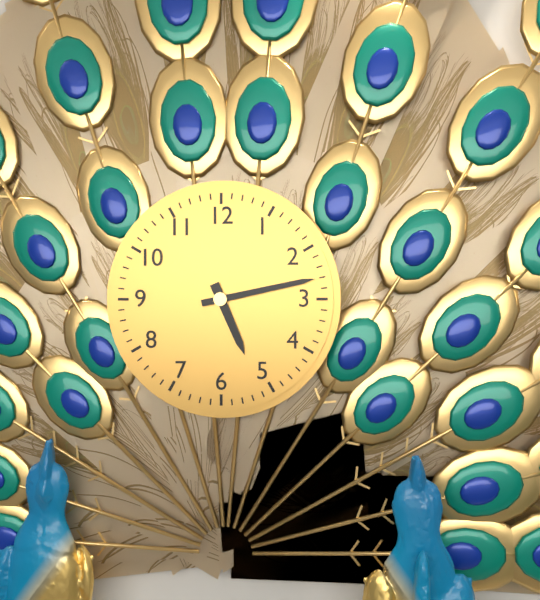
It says 5.13
